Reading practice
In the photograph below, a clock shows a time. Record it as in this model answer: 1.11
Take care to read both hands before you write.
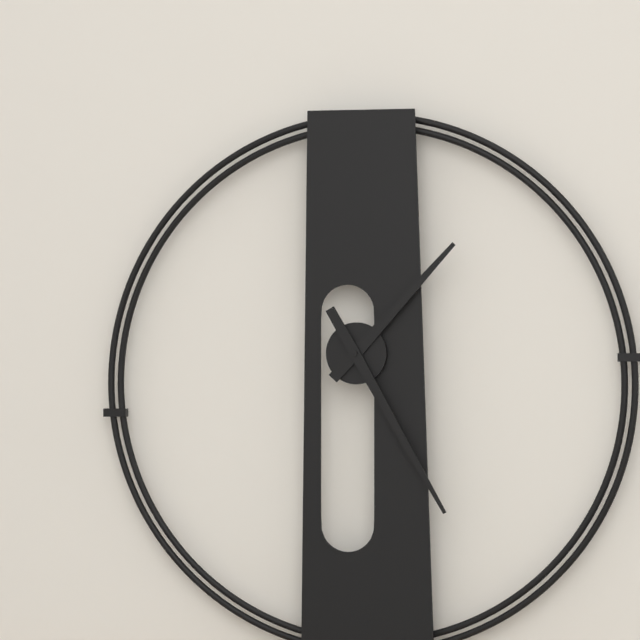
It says 1.25
